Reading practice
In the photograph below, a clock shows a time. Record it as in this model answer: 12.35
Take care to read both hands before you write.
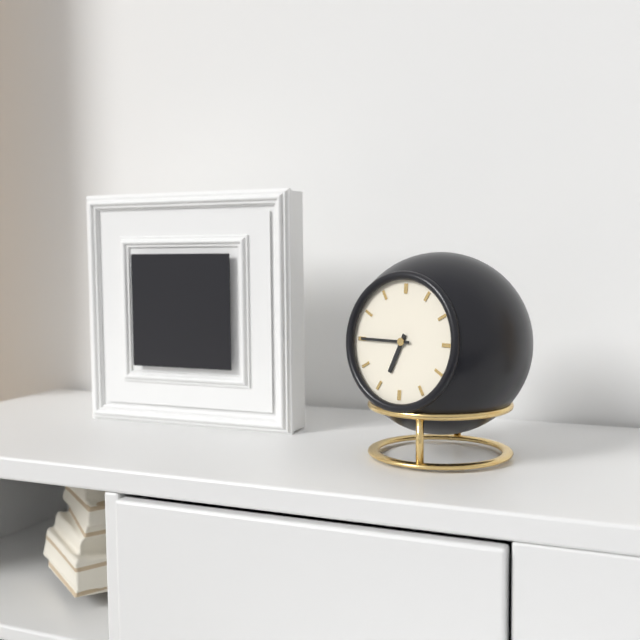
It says 6.45
